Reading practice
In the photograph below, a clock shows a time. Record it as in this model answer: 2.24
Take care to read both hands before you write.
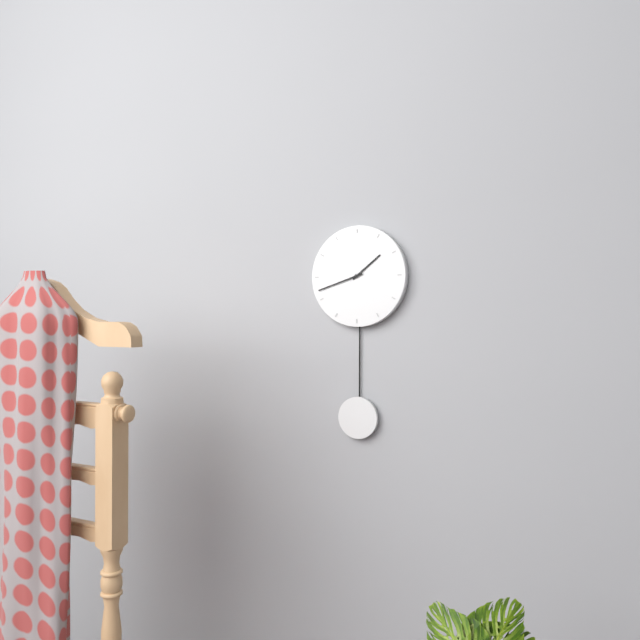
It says 1.42
